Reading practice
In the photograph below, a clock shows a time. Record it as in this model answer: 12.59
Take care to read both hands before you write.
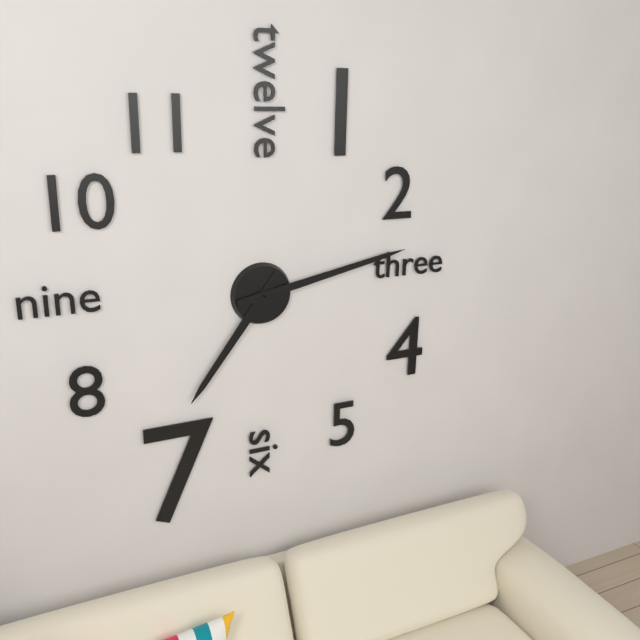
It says 7.13
